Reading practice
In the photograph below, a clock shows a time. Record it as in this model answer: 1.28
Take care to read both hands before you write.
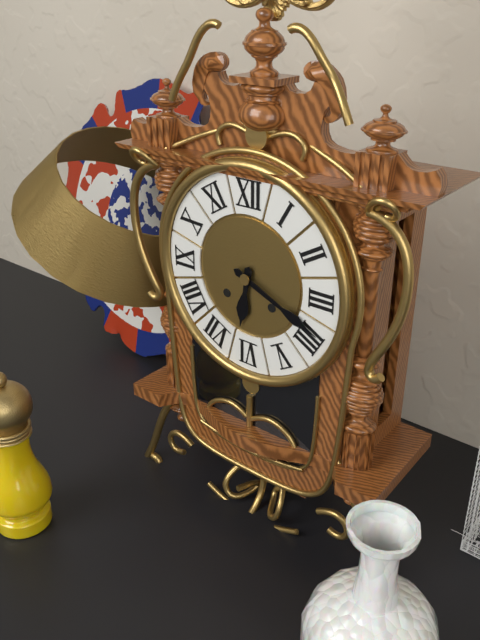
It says 6.19
